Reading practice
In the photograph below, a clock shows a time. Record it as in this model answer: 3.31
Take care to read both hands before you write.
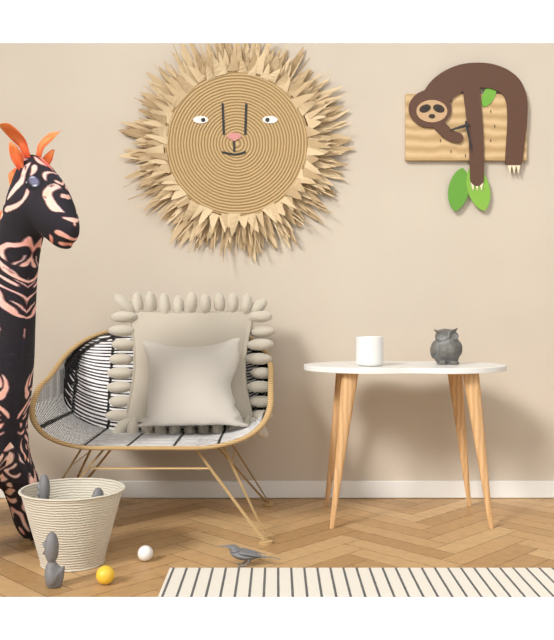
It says 8.28
